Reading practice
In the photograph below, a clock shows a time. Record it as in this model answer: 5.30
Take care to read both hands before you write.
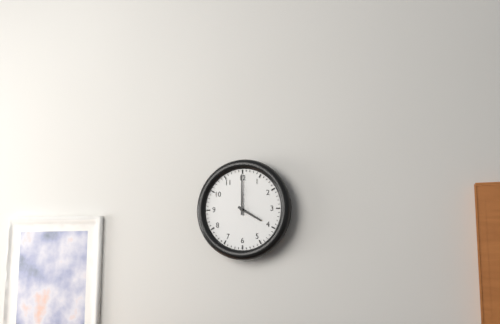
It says 4.00
